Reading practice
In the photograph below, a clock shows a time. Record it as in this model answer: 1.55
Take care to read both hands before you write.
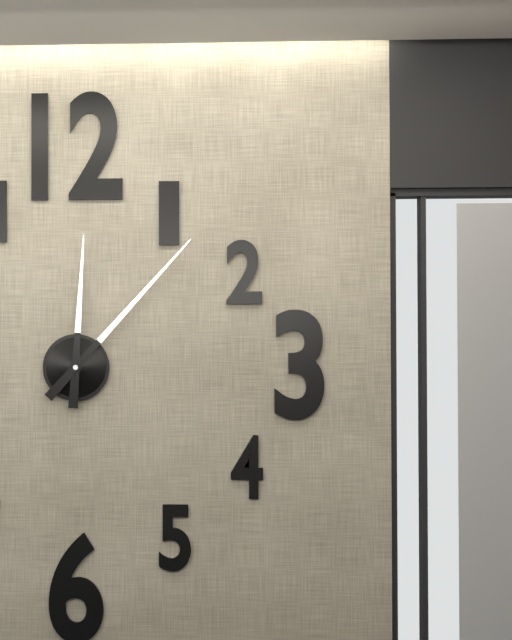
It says 12.07
